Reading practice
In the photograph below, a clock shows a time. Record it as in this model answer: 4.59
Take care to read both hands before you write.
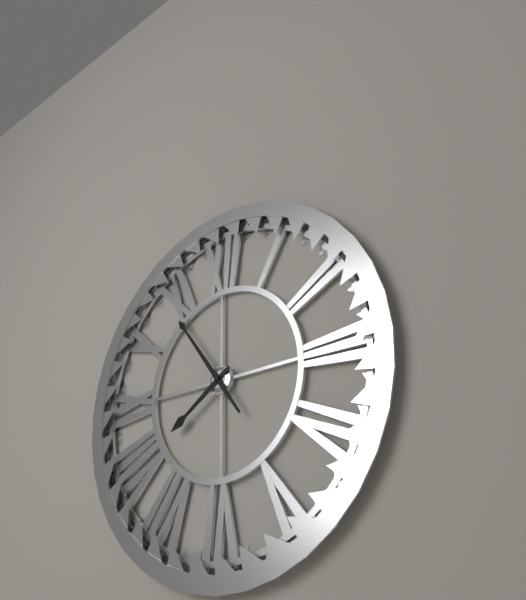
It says 7.54
